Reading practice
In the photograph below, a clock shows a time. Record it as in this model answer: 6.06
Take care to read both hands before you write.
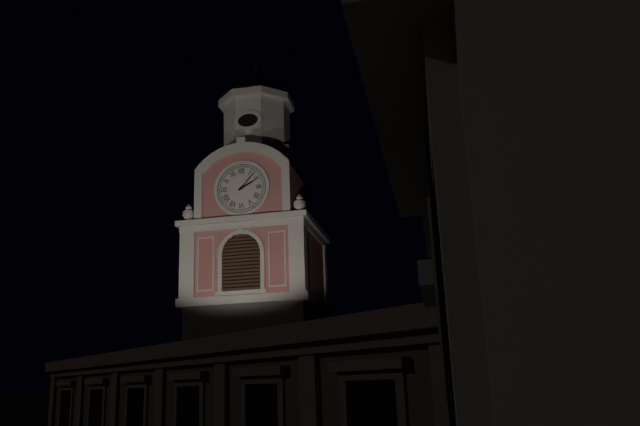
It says 2.07
